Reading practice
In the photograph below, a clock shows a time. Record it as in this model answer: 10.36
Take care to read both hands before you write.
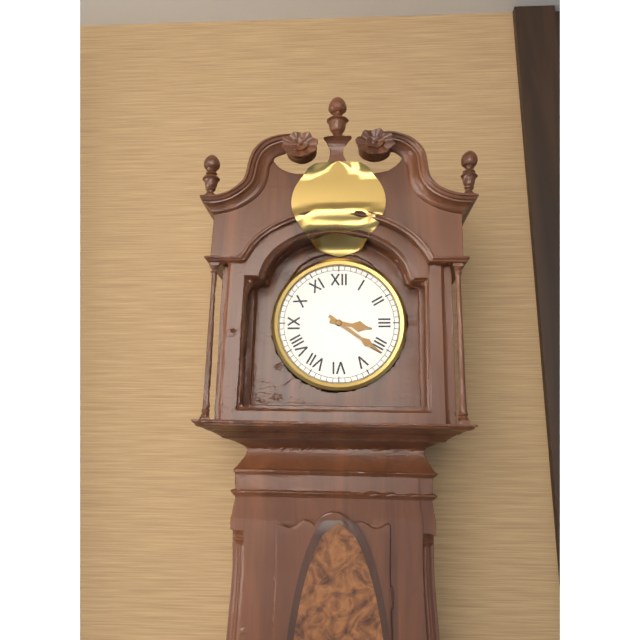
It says 3.21
